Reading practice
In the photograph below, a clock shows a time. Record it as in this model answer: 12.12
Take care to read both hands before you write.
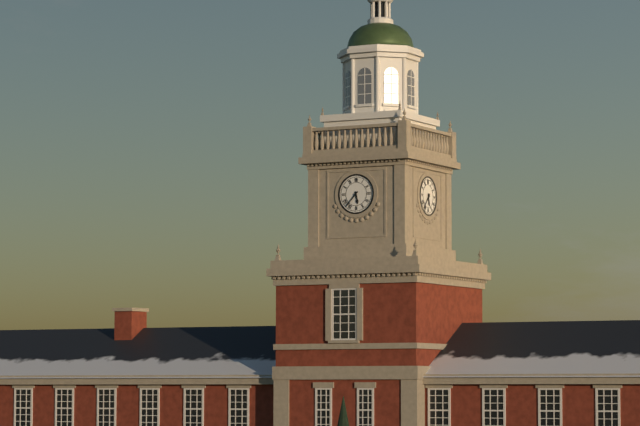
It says 5.37
